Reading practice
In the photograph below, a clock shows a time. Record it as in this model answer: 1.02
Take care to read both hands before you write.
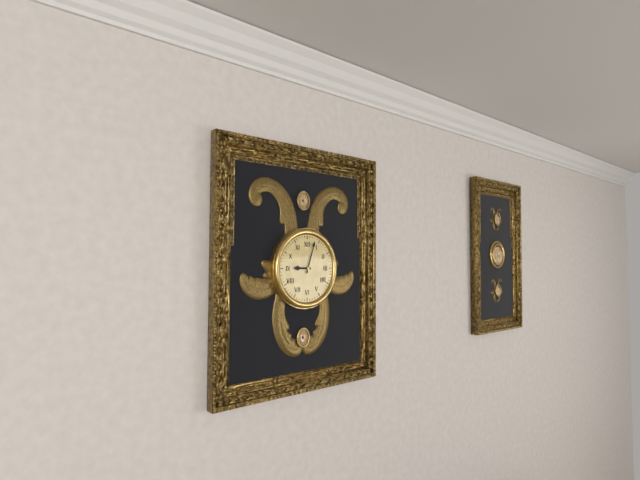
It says 9.03
